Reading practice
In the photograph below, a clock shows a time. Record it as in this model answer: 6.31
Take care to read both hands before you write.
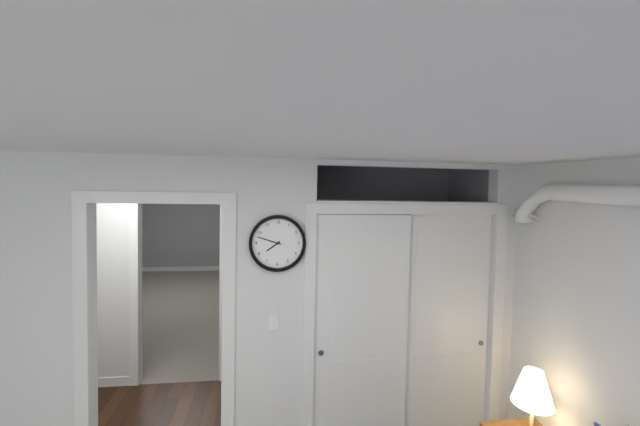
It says 7.48
